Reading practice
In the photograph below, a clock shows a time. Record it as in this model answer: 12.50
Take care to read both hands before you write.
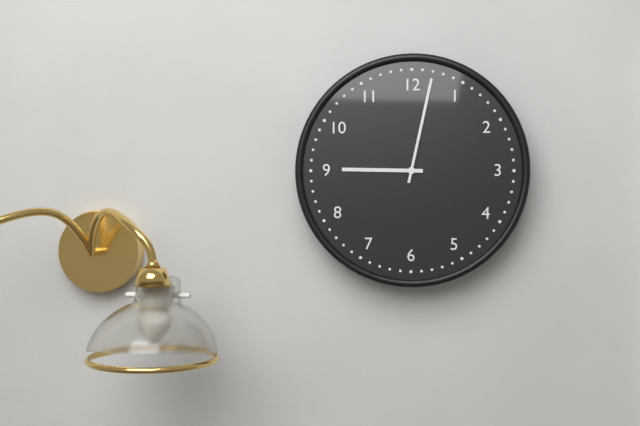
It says 9.02
